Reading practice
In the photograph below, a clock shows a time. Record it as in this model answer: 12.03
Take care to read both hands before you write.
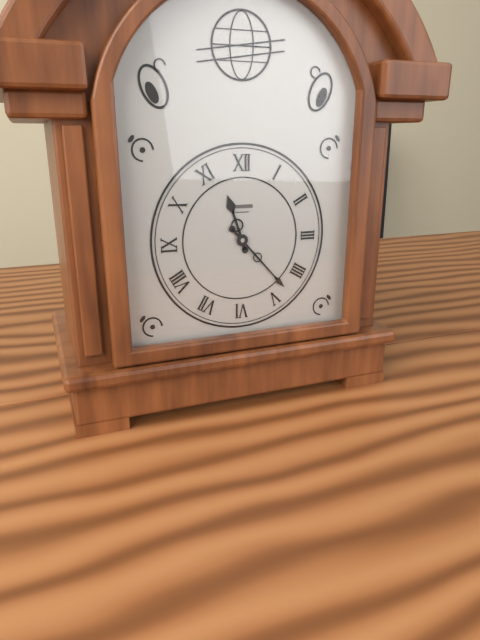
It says 11.23
